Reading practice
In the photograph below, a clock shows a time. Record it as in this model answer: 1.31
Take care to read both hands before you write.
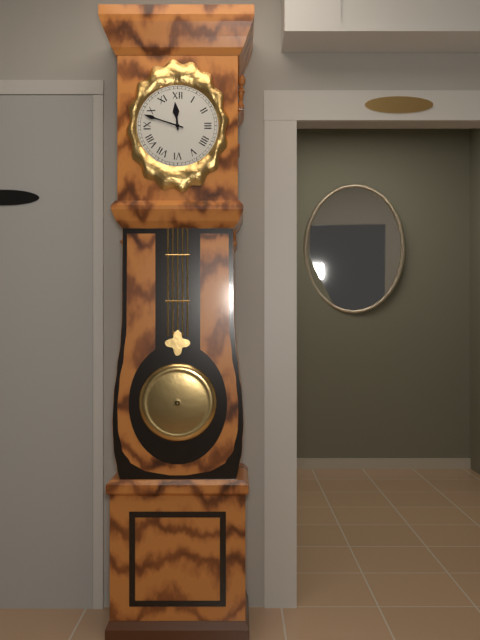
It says 11.48
